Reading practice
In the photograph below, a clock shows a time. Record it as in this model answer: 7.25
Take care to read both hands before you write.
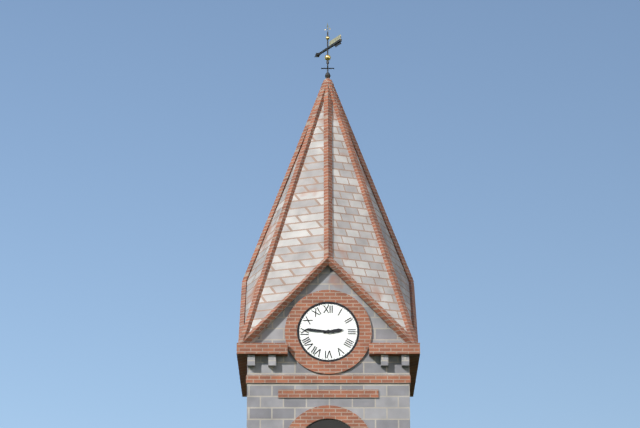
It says 2.46
